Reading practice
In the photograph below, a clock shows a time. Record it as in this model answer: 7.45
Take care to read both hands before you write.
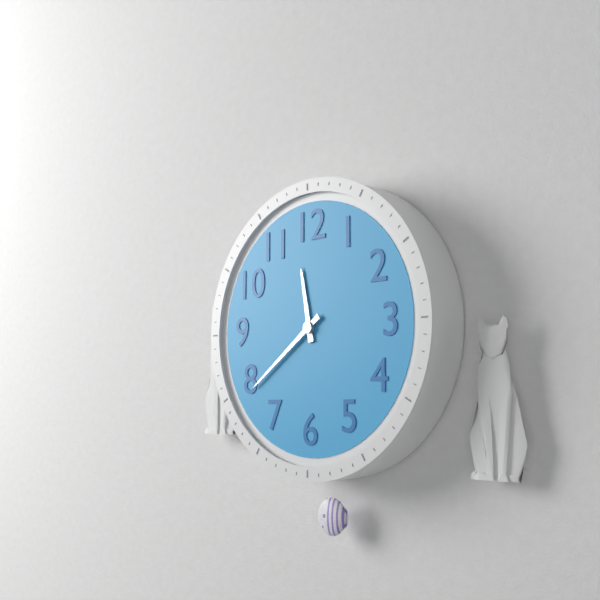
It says 11.39
